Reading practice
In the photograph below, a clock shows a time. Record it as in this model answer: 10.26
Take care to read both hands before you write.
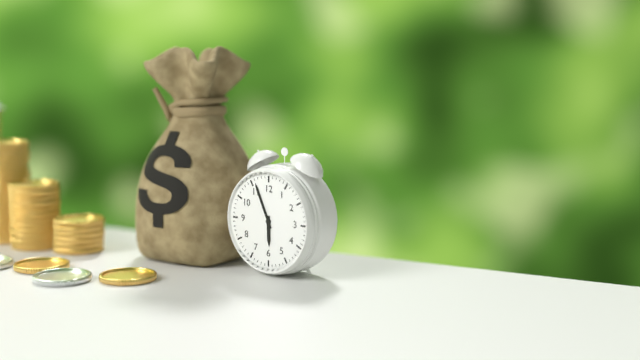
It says 5.56
